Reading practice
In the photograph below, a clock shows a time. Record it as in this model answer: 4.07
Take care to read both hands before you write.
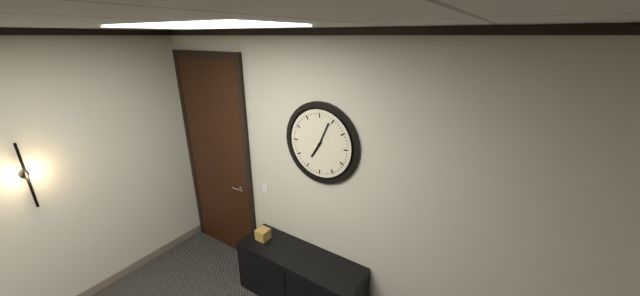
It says 7.04
